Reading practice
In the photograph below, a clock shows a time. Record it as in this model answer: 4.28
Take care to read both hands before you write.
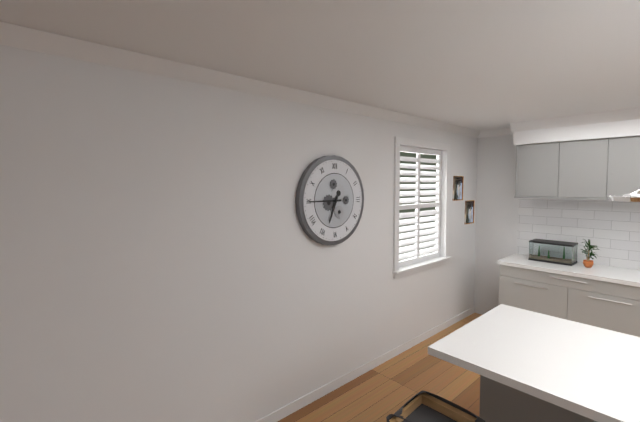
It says 6.45
